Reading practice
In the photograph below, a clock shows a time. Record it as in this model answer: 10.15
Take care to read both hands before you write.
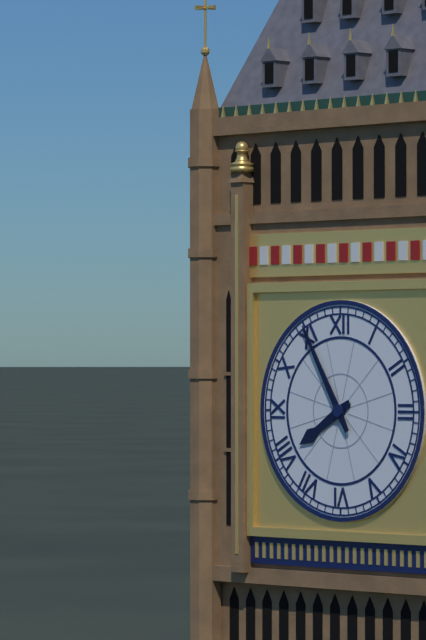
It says 7.55
